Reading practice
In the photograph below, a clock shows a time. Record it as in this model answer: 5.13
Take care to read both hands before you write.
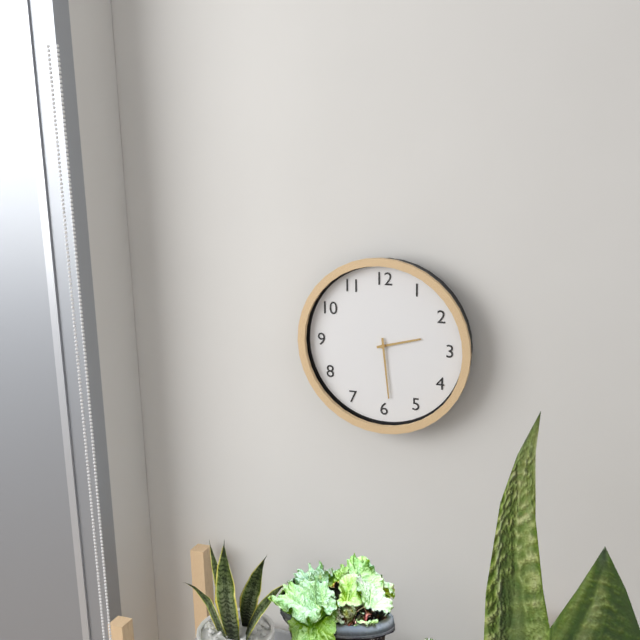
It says 2.29
